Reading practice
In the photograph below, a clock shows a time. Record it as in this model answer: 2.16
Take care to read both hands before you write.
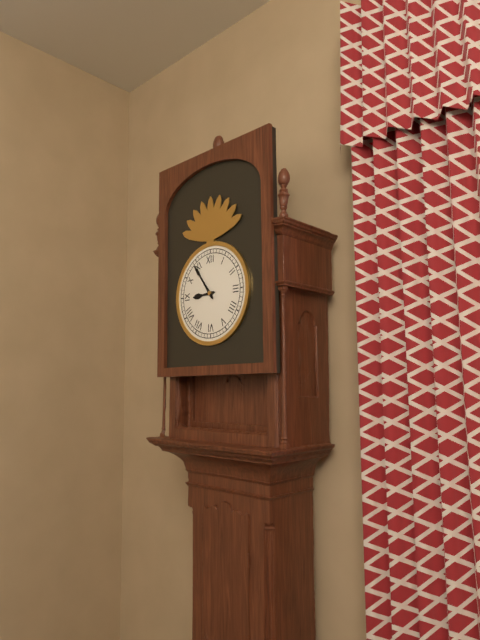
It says 8.54
